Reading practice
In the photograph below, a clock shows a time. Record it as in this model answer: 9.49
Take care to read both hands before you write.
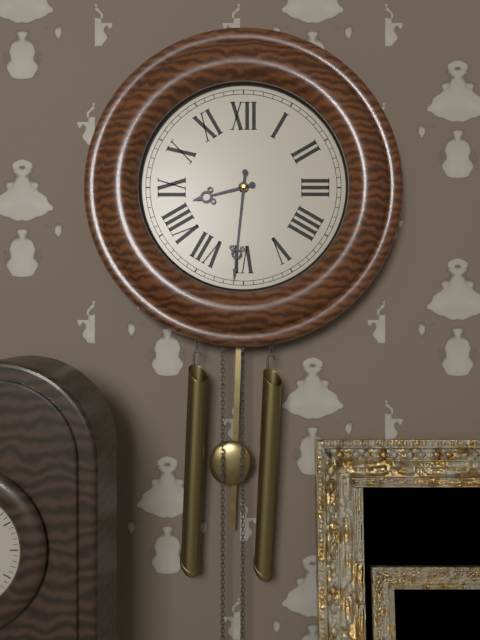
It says 8.31
